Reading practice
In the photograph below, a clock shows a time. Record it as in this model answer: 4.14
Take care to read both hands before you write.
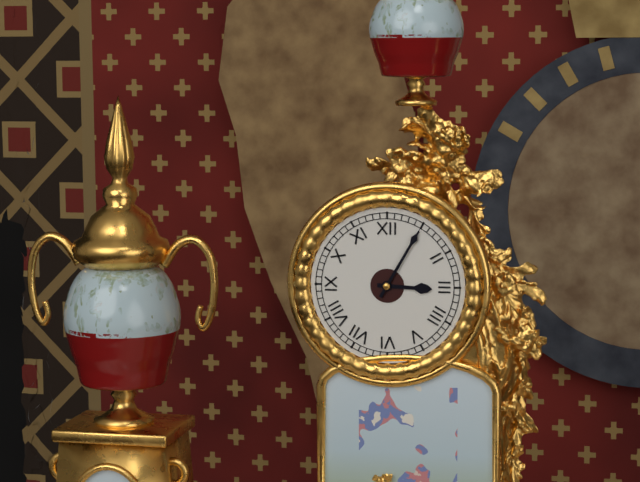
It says 3.05
